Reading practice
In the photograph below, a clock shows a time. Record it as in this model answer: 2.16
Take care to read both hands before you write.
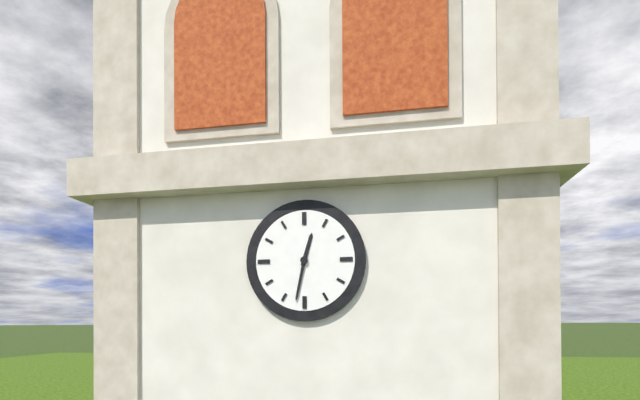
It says 12.32
